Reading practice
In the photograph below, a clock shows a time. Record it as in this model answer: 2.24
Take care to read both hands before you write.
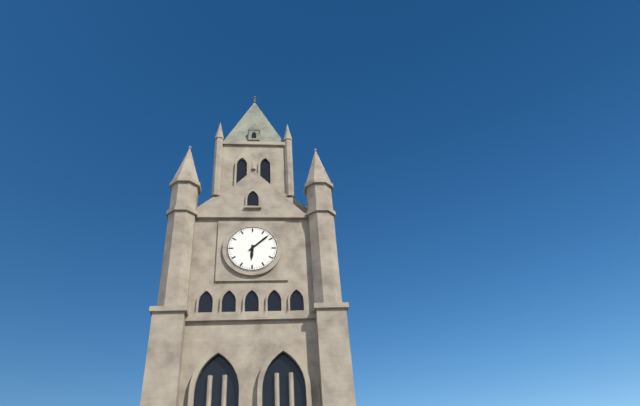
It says 6.08
